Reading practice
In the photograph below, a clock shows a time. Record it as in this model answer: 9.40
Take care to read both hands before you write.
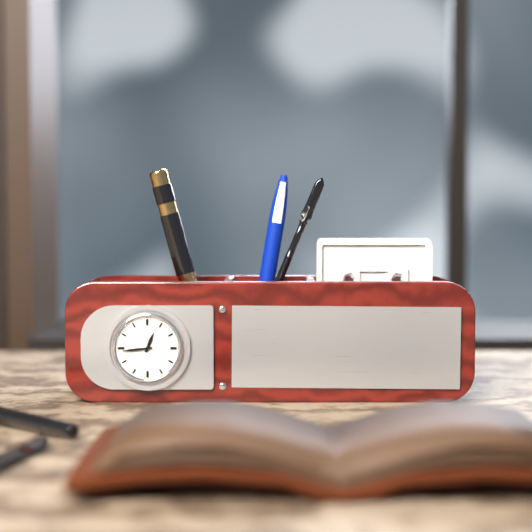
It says 12.44
